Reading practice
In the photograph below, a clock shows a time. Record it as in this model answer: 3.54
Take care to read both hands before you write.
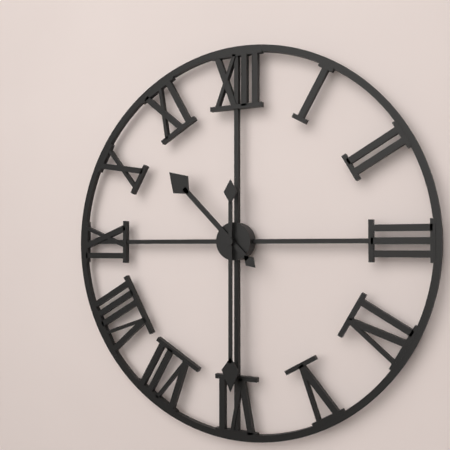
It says 10.30
